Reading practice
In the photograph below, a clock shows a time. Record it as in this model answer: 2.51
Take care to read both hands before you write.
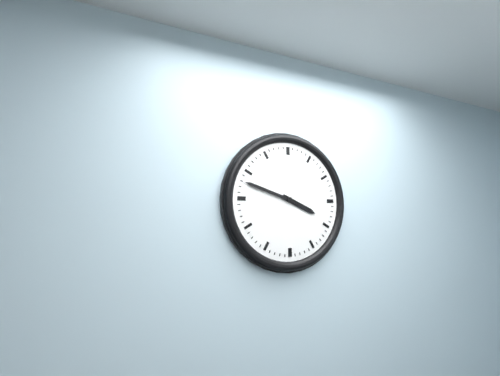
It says 3.48
